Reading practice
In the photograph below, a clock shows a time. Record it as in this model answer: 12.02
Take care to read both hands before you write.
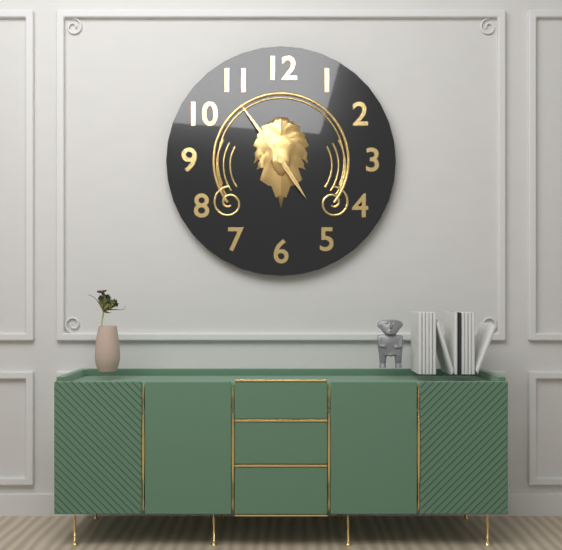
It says 4.54
